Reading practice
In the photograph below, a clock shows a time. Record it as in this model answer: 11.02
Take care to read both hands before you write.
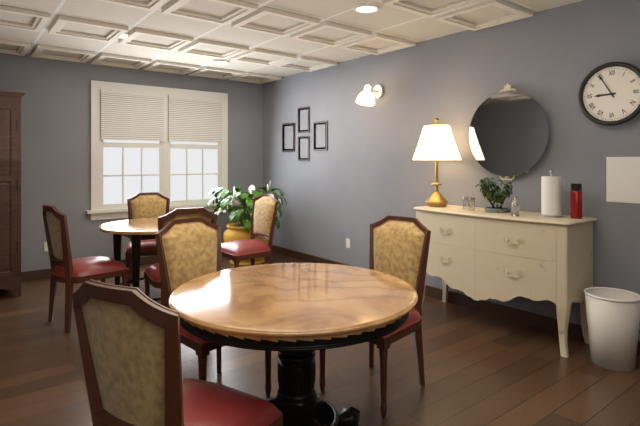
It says 8.55
